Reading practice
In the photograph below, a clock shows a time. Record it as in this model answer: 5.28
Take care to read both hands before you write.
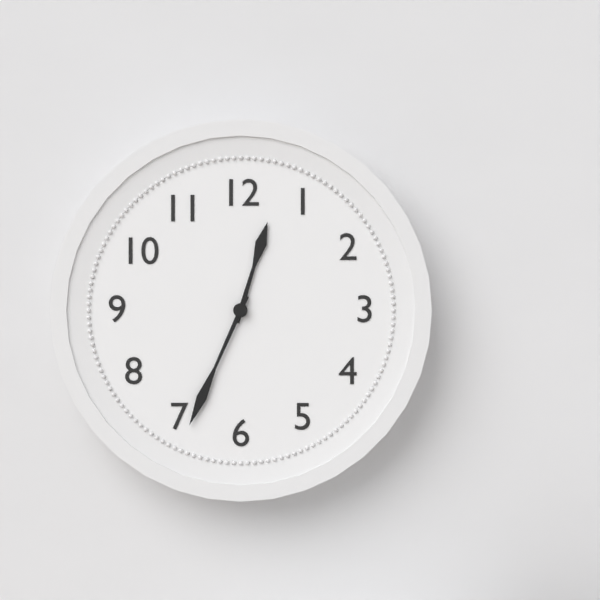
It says 12.34
